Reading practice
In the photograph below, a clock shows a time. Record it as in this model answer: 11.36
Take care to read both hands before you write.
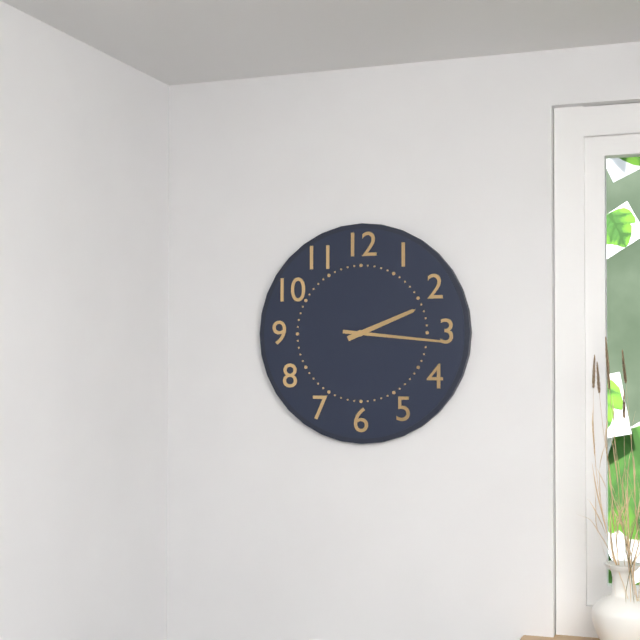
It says 2.16
